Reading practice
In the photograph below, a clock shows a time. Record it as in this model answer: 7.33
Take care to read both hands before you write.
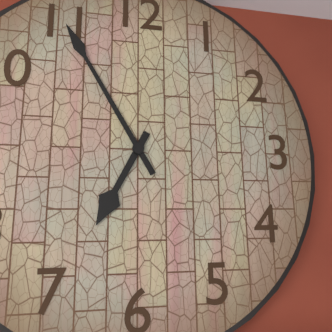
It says 6.55
